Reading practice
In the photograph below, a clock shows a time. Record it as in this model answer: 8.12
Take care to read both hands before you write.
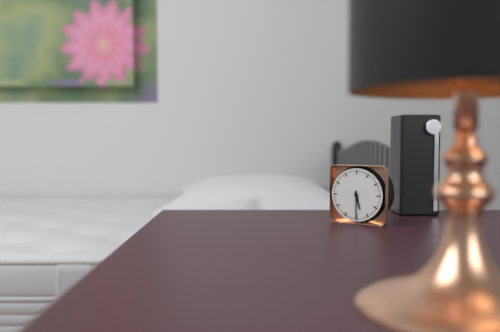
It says 5.30
